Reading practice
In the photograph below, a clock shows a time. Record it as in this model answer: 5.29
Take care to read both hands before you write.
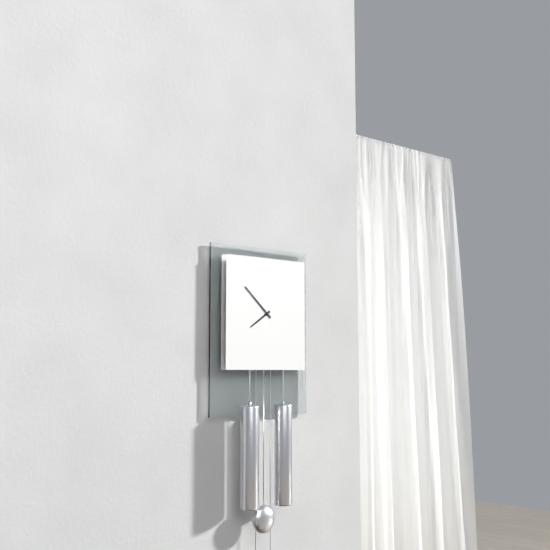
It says 7.52
